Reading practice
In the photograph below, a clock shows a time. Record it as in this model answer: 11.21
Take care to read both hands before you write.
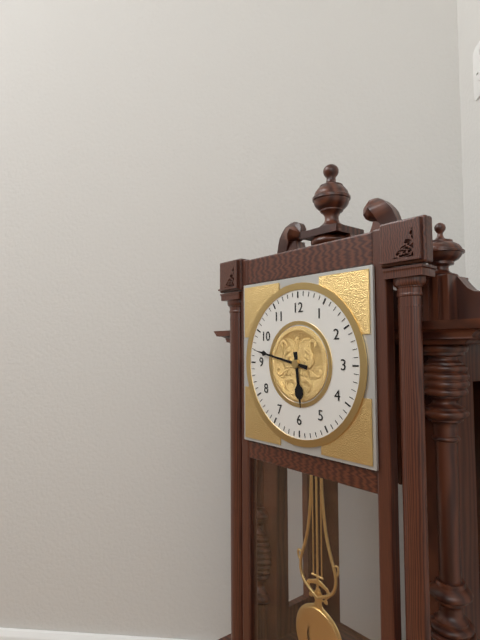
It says 5.47
